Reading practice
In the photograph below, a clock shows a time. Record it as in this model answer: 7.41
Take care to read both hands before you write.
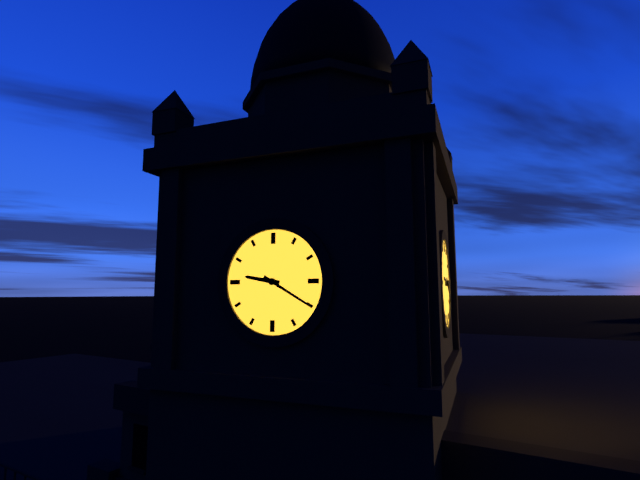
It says 9.20
